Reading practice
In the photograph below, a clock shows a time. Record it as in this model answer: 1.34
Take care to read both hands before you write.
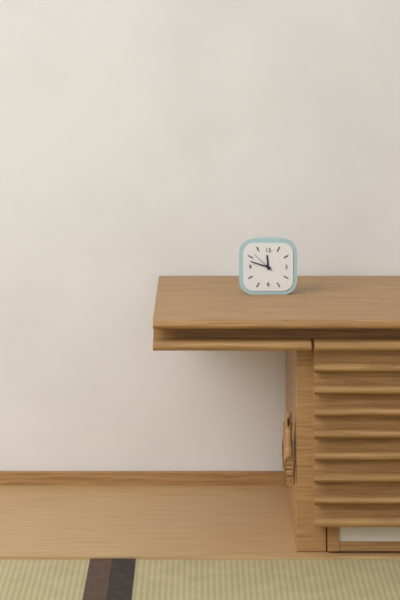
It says 11.48
